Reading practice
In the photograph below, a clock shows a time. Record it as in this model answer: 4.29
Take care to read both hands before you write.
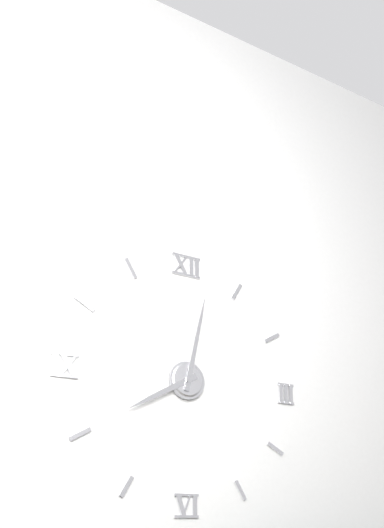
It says 8.02
